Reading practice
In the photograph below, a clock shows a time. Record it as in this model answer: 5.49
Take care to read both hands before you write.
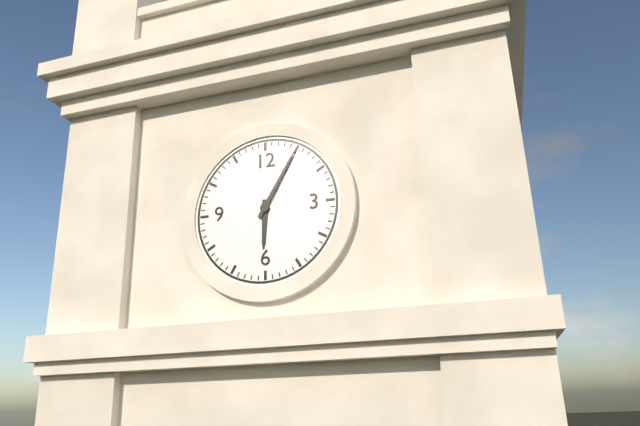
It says 6.05
